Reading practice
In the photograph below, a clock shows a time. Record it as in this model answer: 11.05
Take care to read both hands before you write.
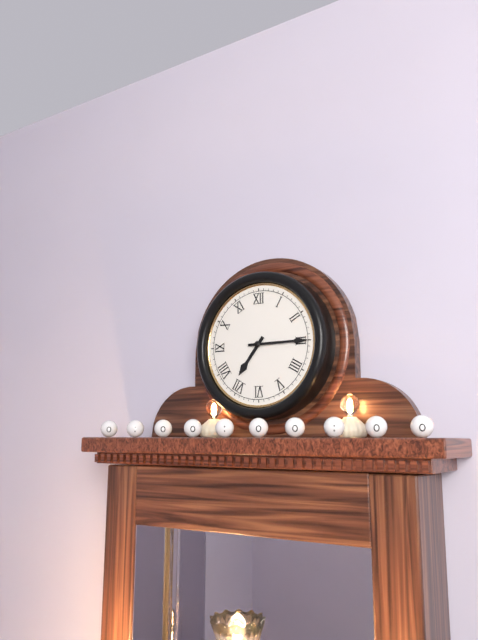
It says 7.15
